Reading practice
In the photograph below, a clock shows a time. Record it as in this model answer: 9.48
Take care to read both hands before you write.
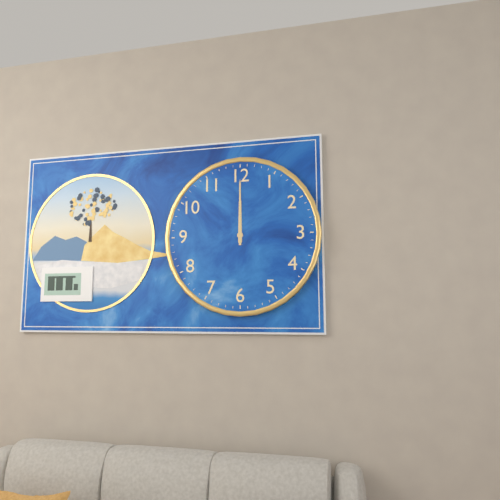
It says 12.00
